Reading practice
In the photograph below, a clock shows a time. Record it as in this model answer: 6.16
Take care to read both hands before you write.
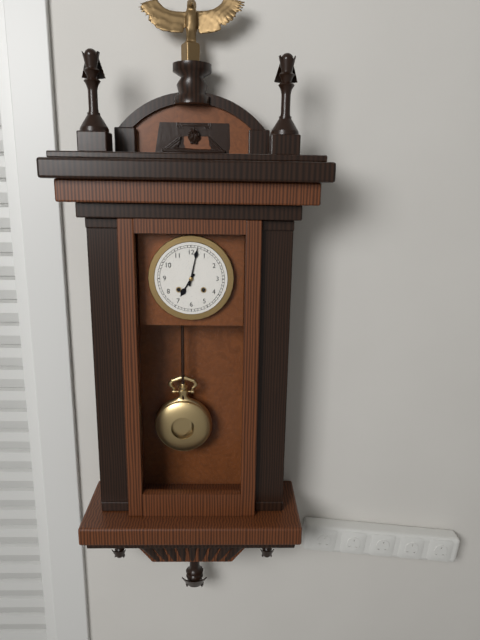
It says 7.02
